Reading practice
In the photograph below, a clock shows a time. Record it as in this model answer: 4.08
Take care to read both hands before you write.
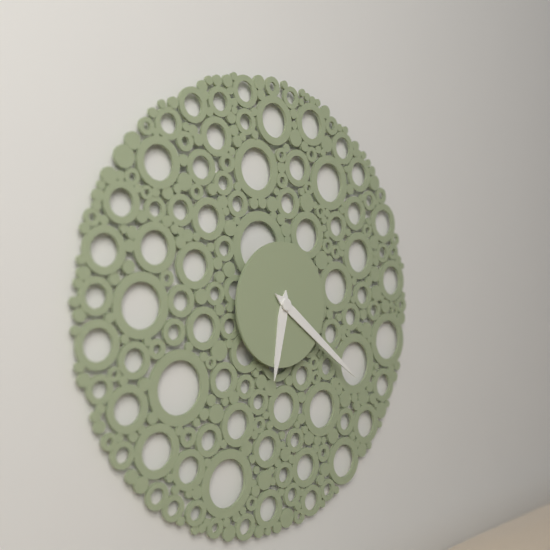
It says 6.21
